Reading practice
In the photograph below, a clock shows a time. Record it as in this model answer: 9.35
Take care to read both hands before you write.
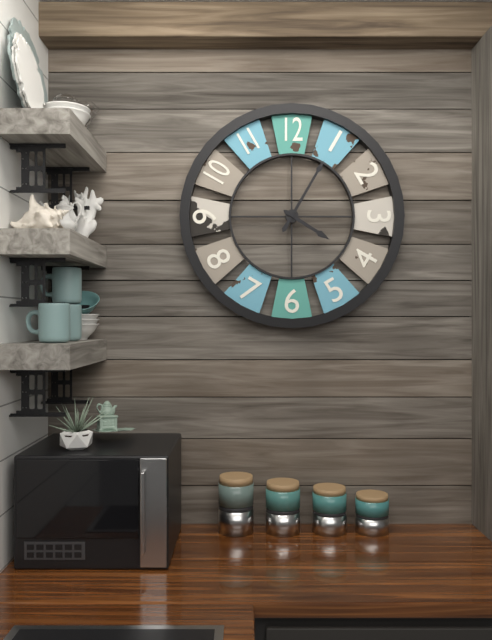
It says 4.05
